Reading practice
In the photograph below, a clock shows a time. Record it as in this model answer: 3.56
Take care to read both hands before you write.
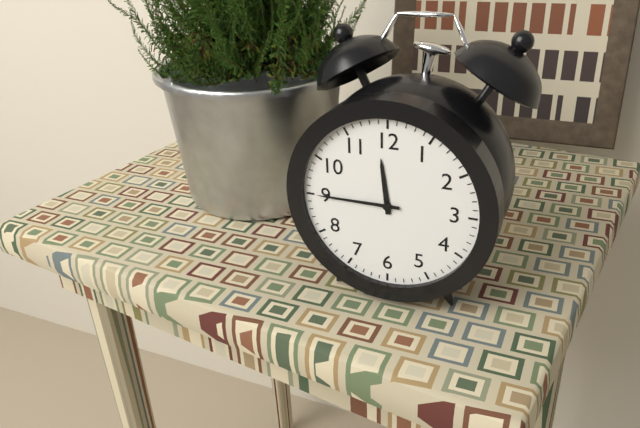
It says 11.45
